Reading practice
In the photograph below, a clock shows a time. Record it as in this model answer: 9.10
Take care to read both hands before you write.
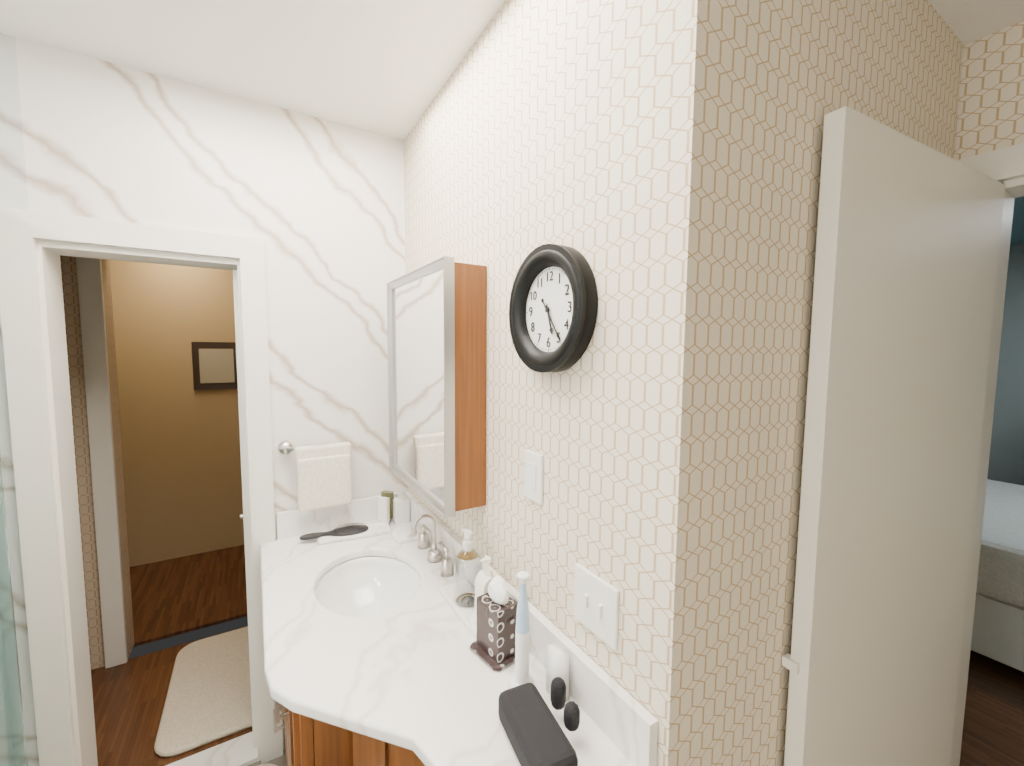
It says 5.24
